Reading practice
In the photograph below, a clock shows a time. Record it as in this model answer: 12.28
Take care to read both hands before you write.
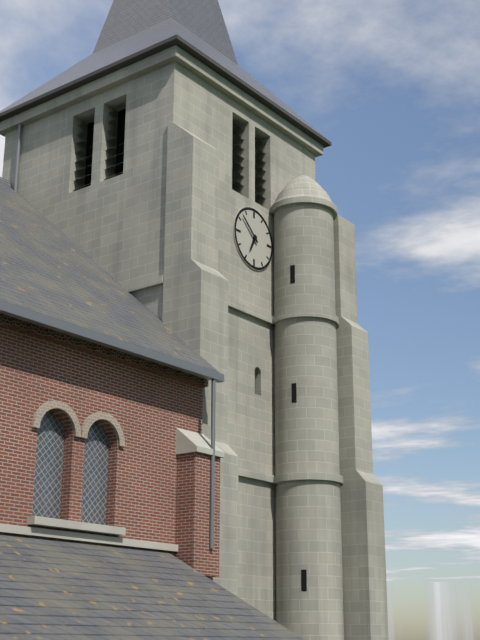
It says 6.52
